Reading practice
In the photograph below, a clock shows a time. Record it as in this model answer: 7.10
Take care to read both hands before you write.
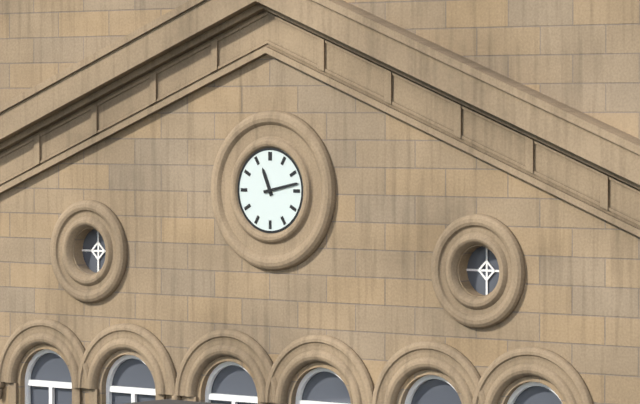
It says 11.13
